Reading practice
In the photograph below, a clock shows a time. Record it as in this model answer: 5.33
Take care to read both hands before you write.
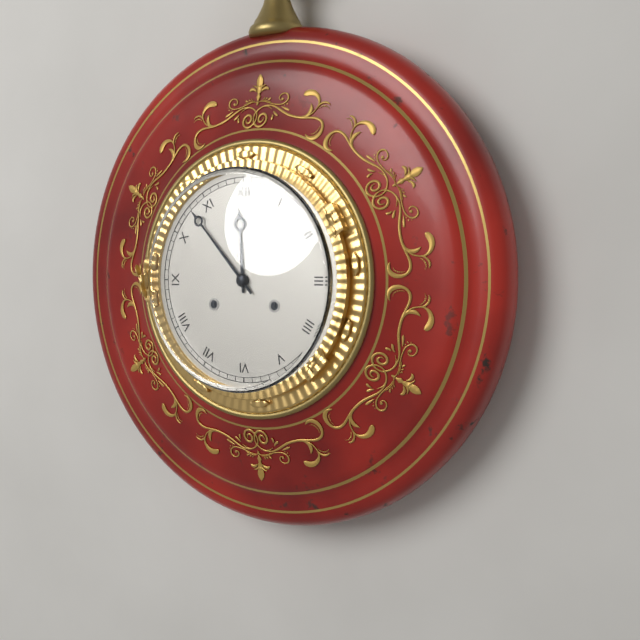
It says 11.53
